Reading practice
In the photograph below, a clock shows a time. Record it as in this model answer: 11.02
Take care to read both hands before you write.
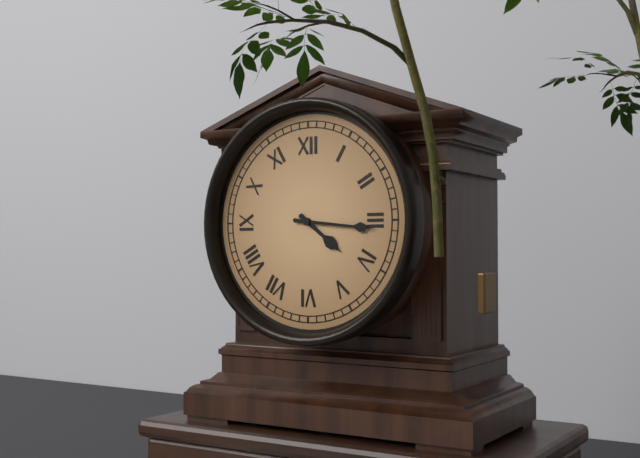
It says 4.16
